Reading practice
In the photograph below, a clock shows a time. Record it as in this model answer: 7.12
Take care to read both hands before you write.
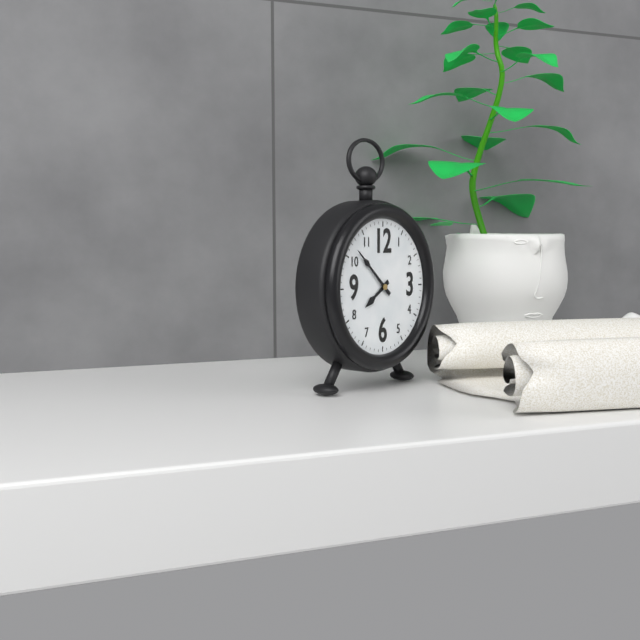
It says 7.52
